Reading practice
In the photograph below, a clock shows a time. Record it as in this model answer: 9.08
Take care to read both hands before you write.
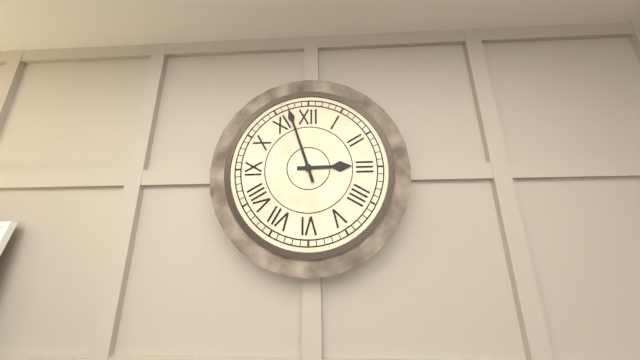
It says 2.57
